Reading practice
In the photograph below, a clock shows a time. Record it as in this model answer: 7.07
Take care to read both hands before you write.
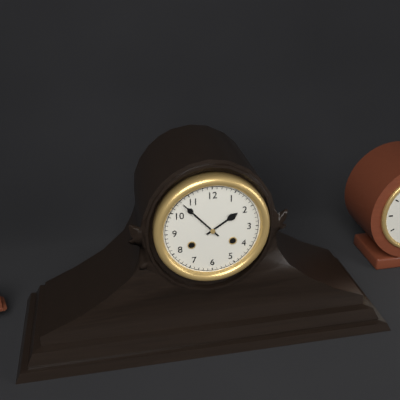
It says 1.53
